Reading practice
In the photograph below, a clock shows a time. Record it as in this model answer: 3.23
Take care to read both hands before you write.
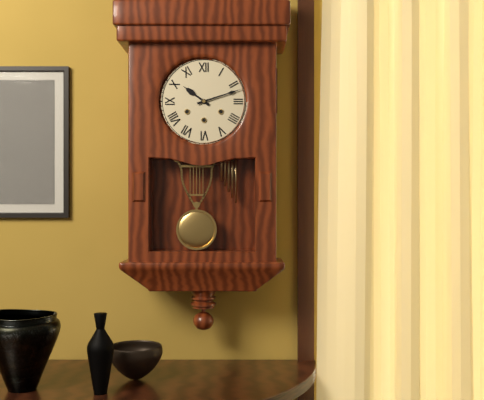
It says 10.12
